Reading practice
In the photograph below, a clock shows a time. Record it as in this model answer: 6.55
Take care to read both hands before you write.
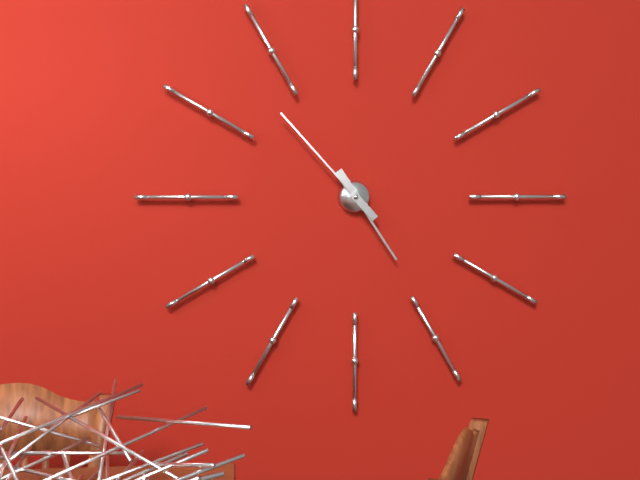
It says 4.53
